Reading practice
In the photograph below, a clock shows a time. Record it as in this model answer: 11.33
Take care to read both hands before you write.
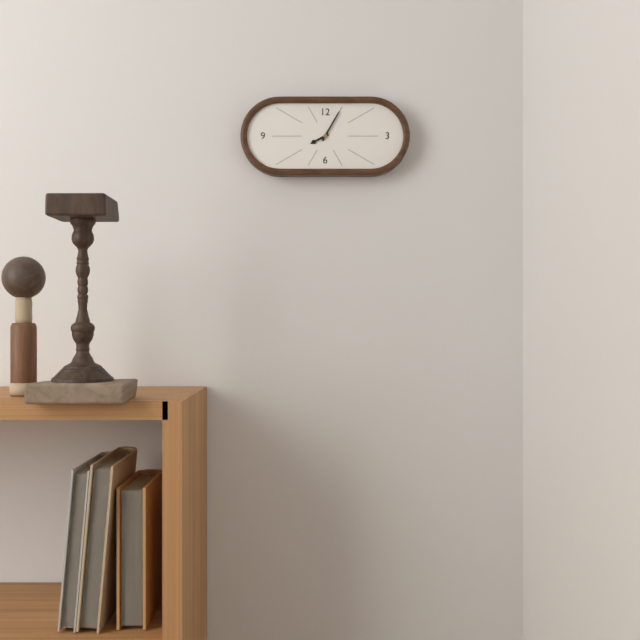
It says 8.05
